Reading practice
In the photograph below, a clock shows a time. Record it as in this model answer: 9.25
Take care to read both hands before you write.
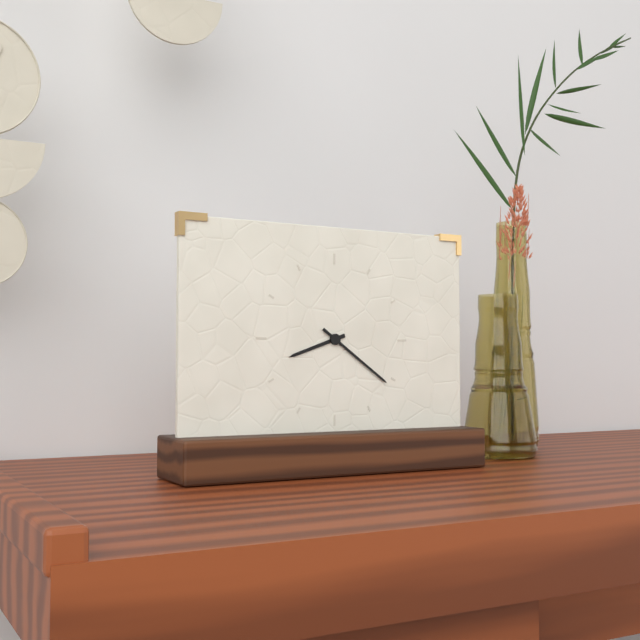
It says 8.21
